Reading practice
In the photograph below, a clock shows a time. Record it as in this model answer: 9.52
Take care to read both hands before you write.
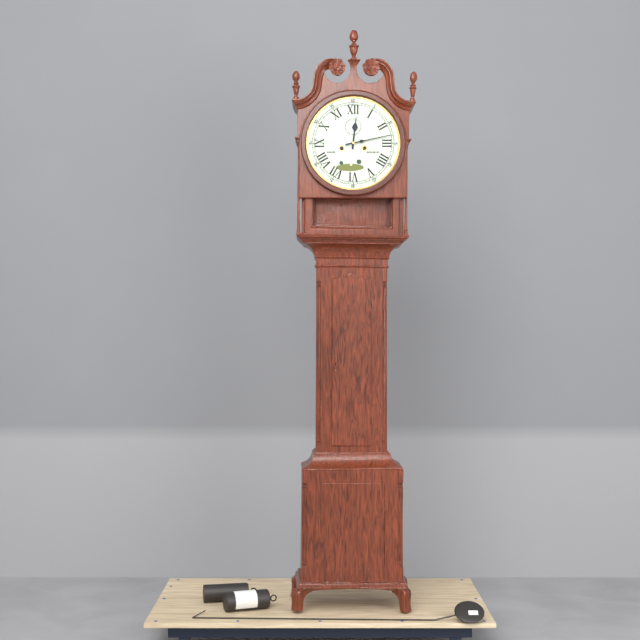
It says 12.13
